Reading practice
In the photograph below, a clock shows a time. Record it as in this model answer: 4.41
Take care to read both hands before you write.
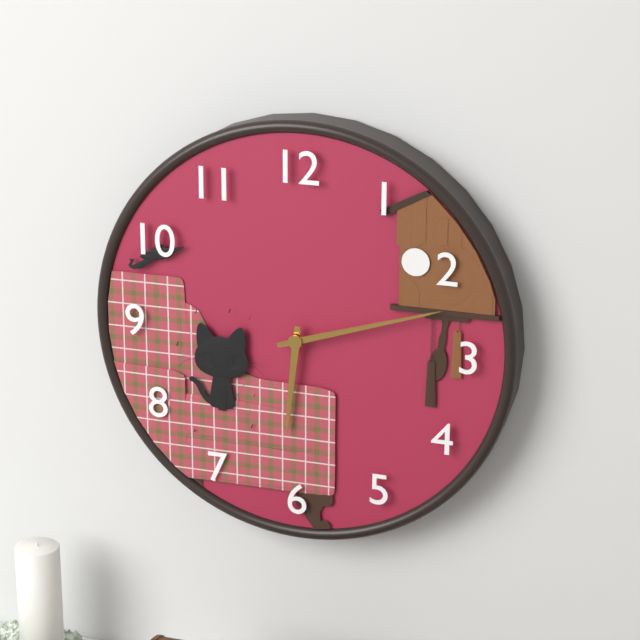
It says 6.12
